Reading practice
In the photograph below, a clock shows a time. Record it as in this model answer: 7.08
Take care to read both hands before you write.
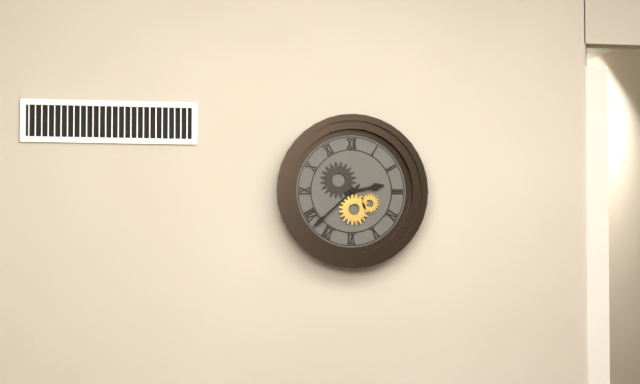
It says 2.38
